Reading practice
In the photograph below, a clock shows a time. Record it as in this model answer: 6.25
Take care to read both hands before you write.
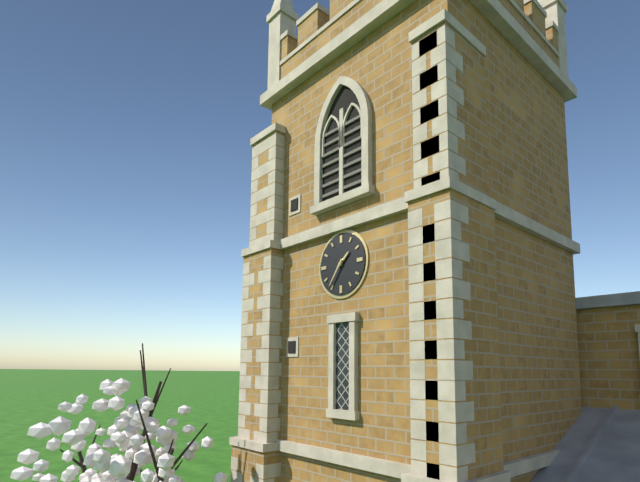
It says 1.36
